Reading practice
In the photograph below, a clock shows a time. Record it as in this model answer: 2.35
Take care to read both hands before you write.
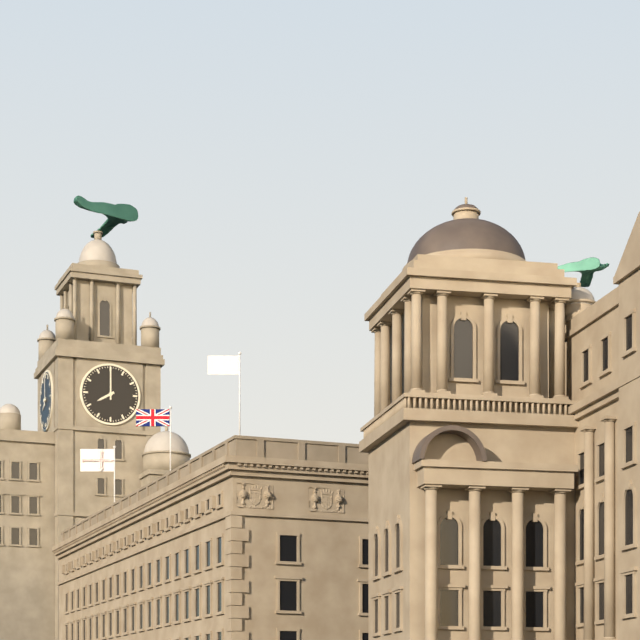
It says 8.00
